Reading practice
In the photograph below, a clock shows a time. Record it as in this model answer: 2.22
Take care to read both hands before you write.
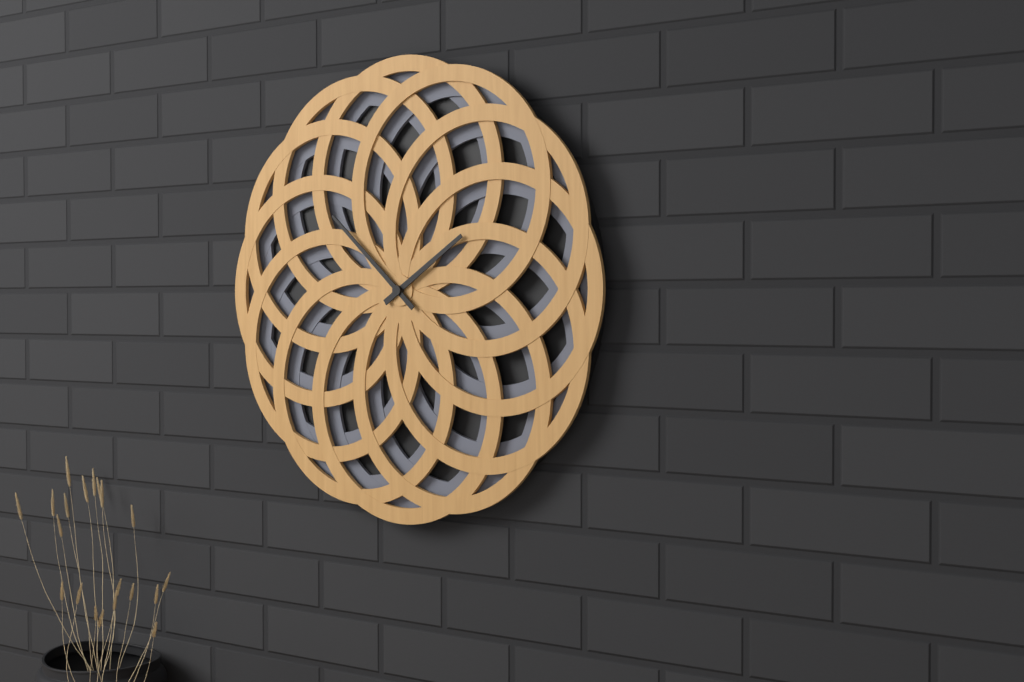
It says 1.52
